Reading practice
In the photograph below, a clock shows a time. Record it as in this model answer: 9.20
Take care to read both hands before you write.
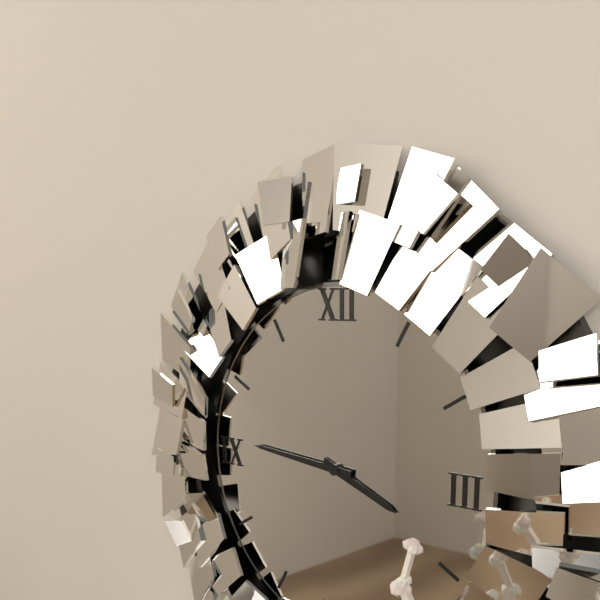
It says 3.46
